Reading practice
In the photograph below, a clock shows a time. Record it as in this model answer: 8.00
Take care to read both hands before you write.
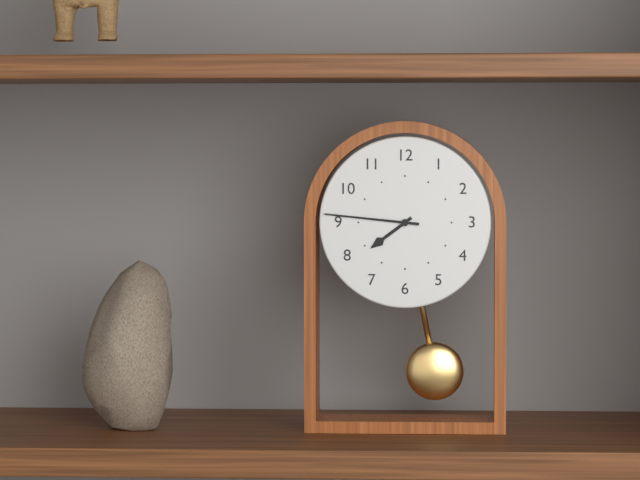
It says 7.46
